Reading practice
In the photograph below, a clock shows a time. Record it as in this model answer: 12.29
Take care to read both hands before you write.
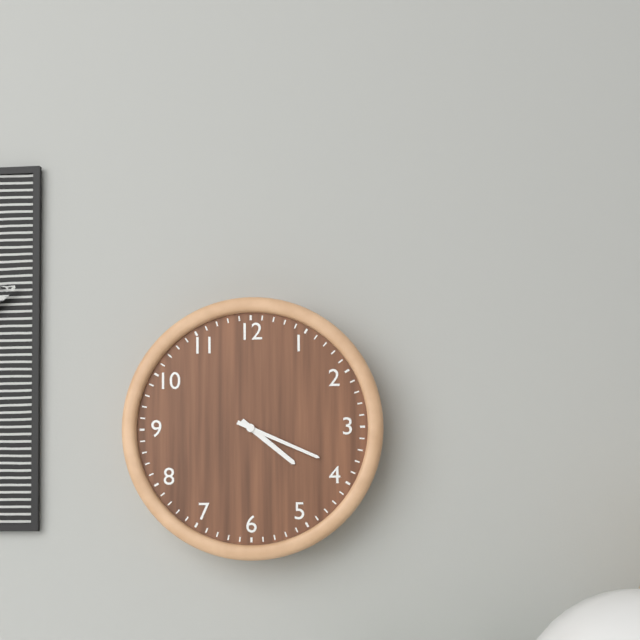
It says 4.19
